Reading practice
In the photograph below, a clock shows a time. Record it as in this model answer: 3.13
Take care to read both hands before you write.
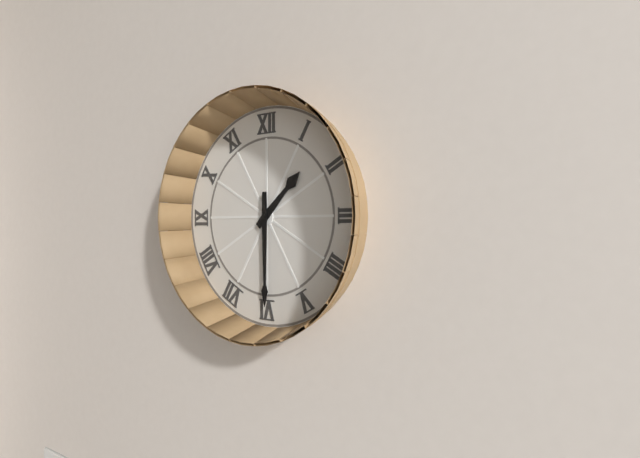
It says 1.30
